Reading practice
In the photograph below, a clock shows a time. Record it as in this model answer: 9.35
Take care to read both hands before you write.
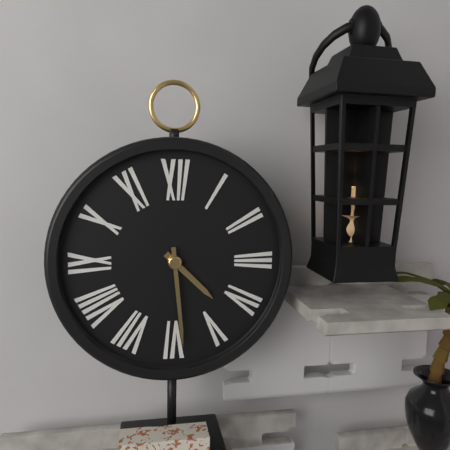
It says 4.29
